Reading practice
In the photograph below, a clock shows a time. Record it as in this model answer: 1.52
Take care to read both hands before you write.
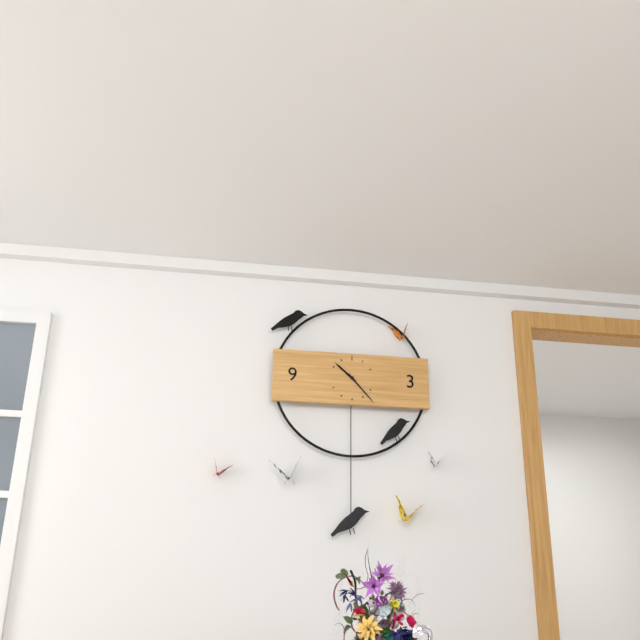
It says 10.23
